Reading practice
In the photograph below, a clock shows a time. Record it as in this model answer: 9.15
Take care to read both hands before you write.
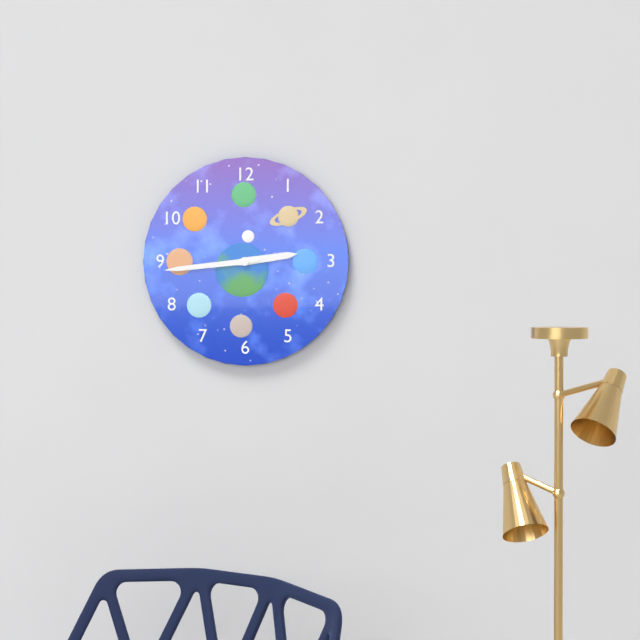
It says 2.44
